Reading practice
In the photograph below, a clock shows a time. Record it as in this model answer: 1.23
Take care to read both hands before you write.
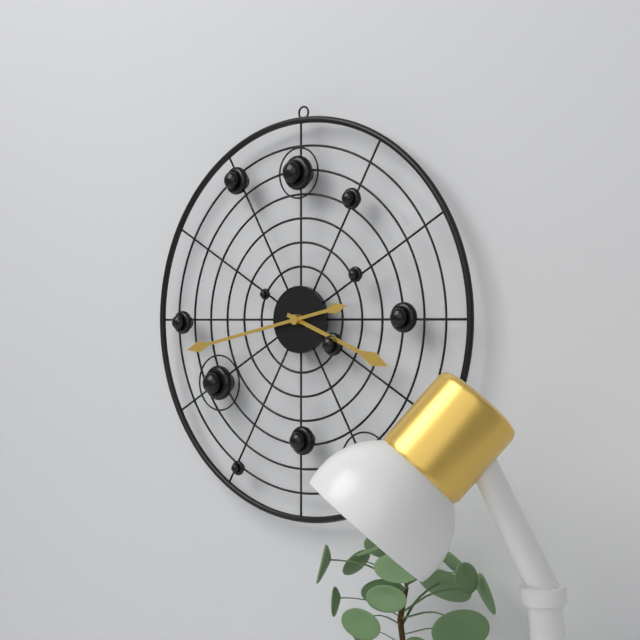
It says 3.43
